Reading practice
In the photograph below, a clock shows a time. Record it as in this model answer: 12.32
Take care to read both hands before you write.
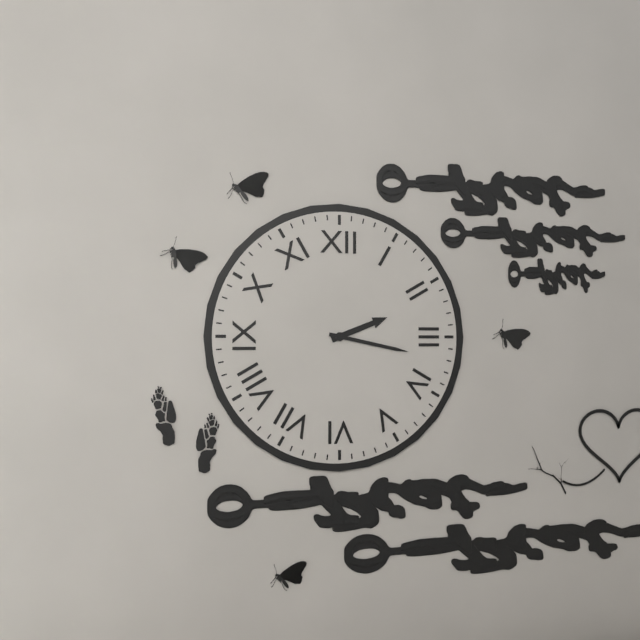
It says 2.17
